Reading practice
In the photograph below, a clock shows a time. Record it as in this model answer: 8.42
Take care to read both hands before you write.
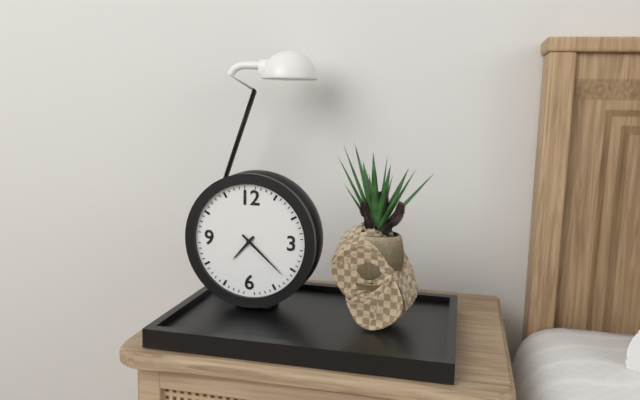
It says 7.22
